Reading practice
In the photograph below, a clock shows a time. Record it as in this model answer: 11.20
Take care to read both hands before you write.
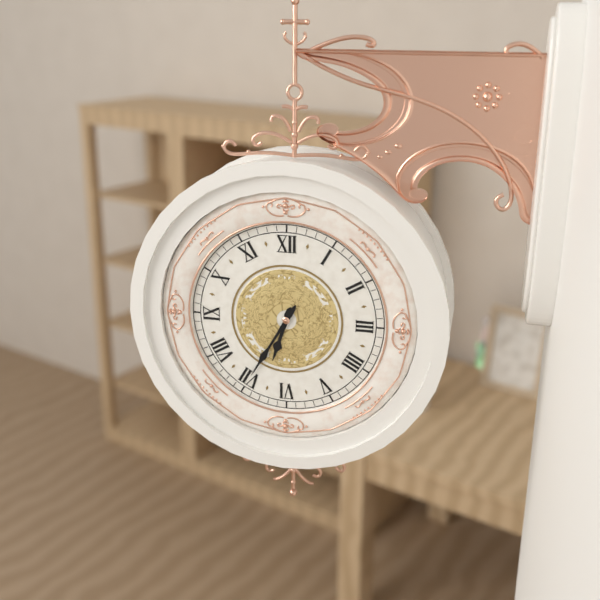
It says 6.35
